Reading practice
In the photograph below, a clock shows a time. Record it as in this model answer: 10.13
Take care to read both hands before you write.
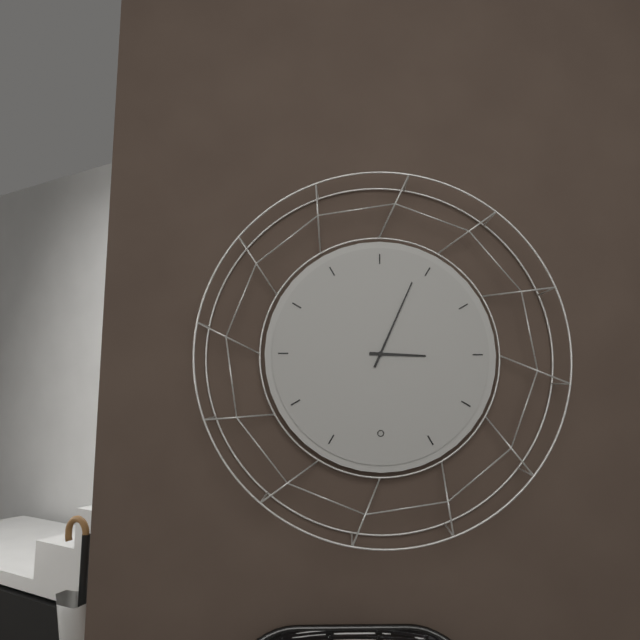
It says 3.04
